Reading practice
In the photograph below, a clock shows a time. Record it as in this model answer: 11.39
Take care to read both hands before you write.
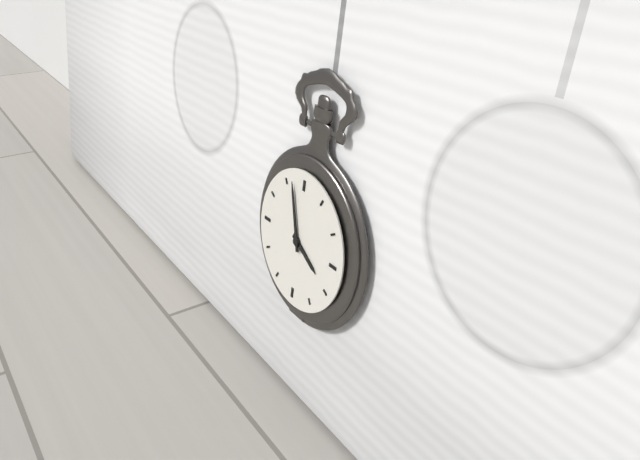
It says 3.57
